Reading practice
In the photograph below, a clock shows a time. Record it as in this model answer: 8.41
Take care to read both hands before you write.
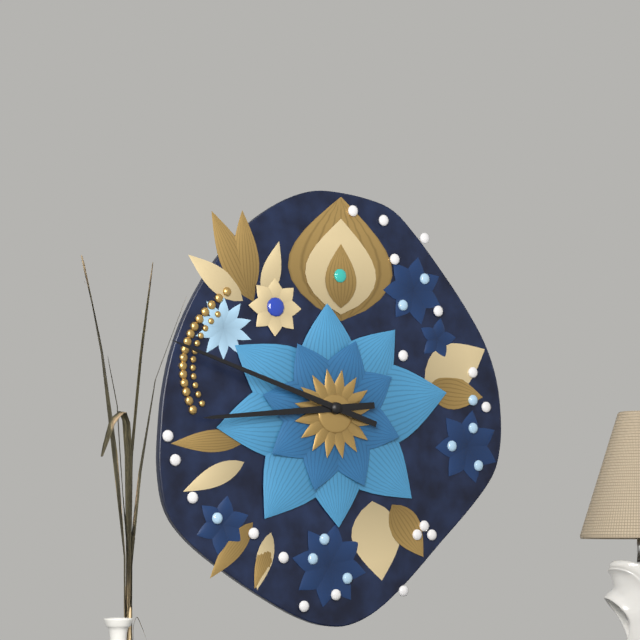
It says 8.48
